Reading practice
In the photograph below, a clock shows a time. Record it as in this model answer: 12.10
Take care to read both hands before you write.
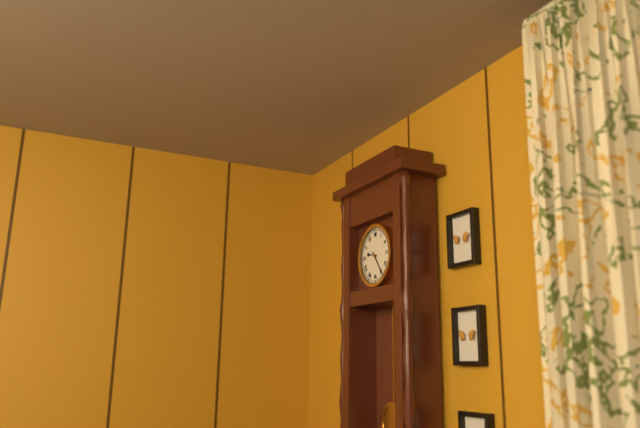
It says 9.24
